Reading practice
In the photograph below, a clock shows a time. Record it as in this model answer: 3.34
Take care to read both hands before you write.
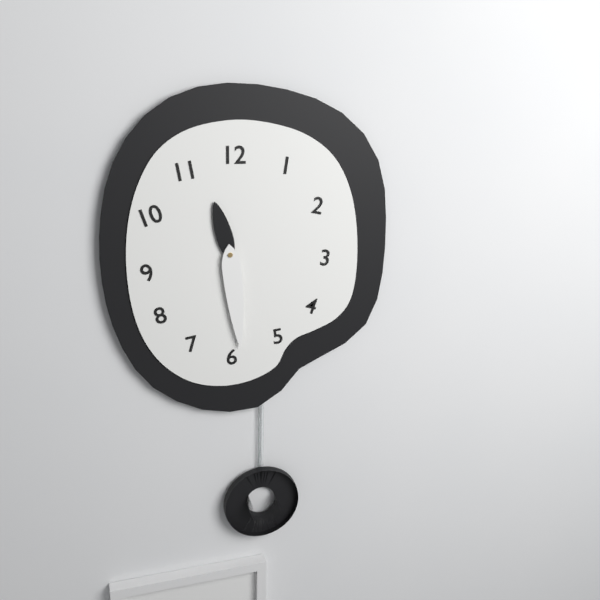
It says 11.29
